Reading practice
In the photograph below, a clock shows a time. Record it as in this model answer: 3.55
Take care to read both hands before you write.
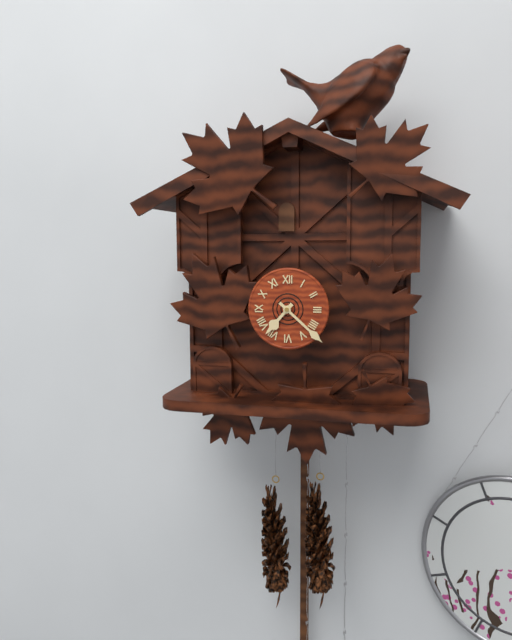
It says 7.22
